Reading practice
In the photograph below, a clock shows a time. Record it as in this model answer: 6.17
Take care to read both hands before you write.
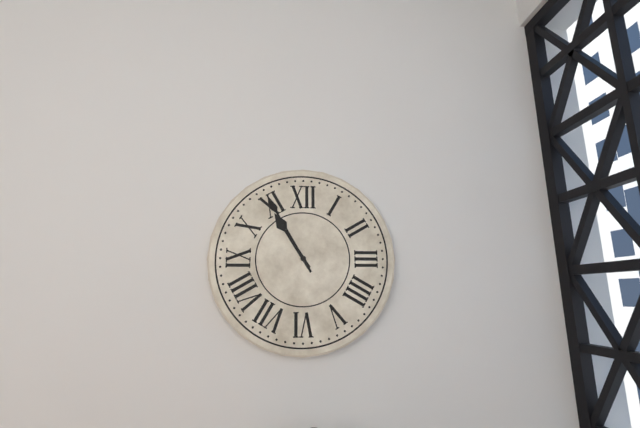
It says 10.55
